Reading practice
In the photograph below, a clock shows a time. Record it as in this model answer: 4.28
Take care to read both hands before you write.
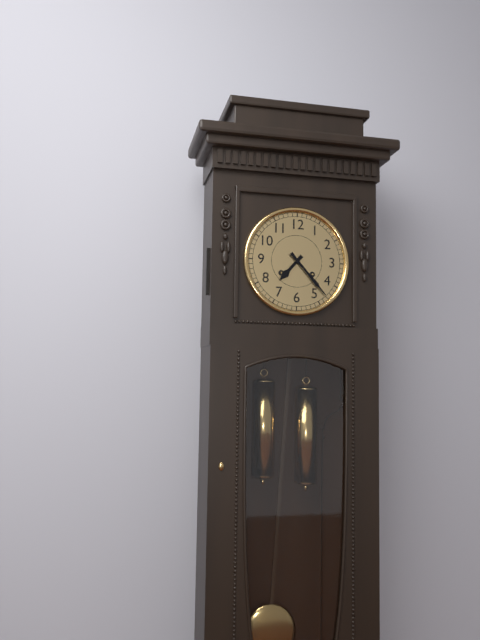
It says 7.23
